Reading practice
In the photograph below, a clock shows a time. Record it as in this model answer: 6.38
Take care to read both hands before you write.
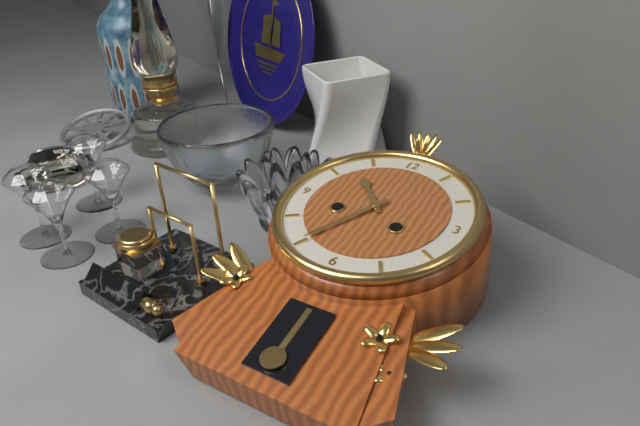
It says 10.35
